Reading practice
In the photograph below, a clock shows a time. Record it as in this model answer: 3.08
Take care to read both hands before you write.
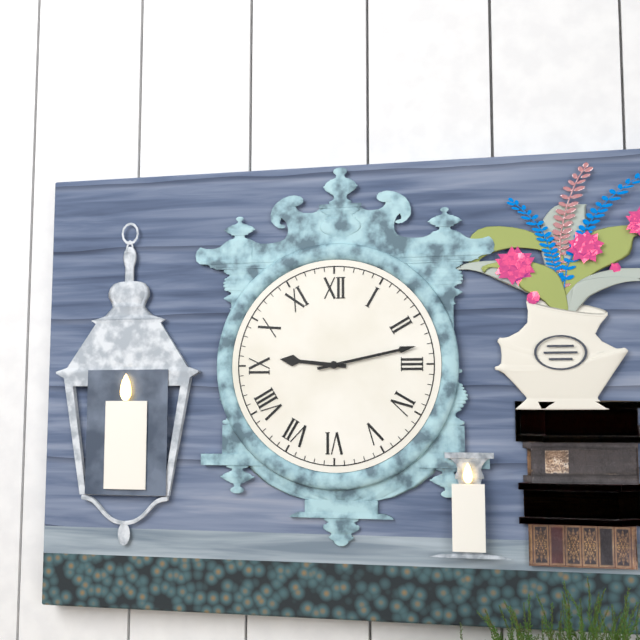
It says 9.13
